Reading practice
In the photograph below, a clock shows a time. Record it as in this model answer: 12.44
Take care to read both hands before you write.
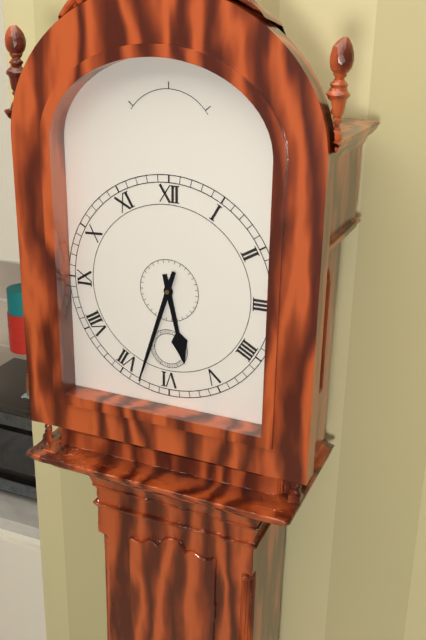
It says 5.33
